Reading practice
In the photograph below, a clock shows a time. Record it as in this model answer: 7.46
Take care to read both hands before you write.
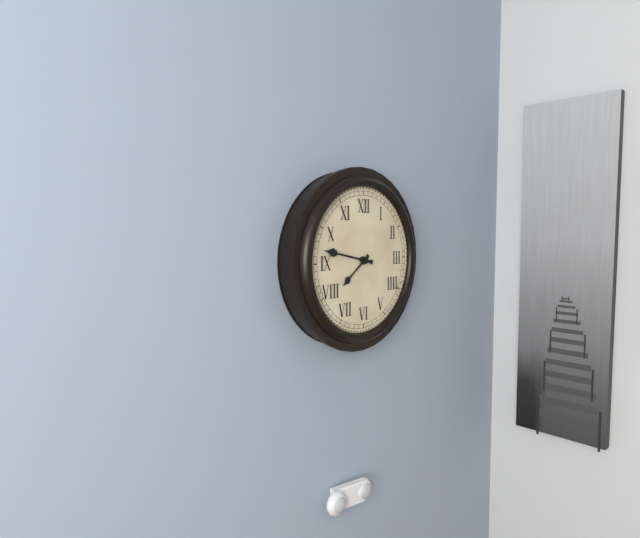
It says 7.47
